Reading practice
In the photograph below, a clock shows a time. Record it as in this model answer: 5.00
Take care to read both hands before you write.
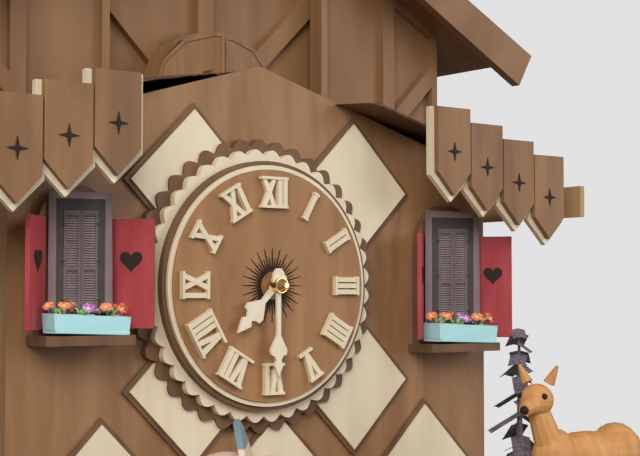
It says 7.30
